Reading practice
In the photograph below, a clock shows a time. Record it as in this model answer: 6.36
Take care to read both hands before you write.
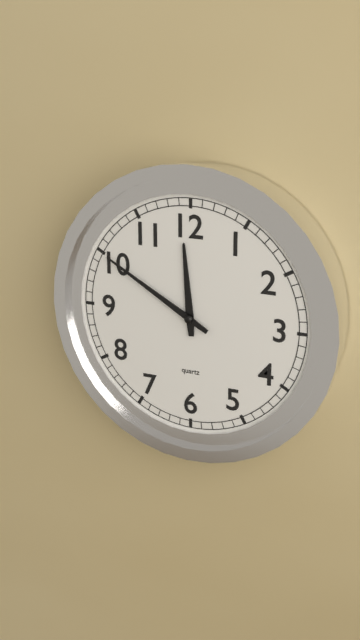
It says 11.50
